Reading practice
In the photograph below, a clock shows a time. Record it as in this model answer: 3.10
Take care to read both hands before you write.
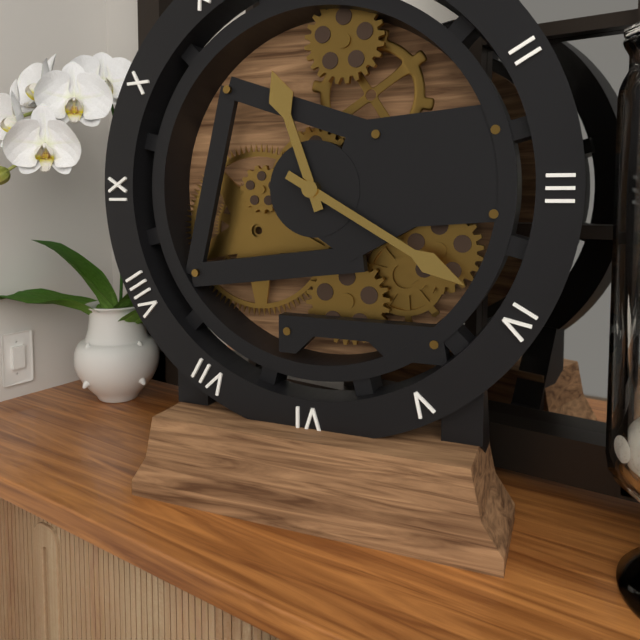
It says 11.20
